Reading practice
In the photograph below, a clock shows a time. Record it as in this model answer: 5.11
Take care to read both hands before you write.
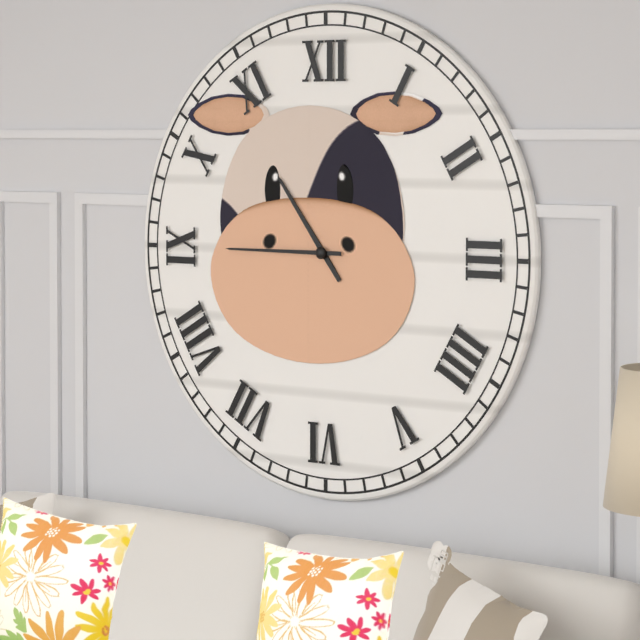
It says 10.45
